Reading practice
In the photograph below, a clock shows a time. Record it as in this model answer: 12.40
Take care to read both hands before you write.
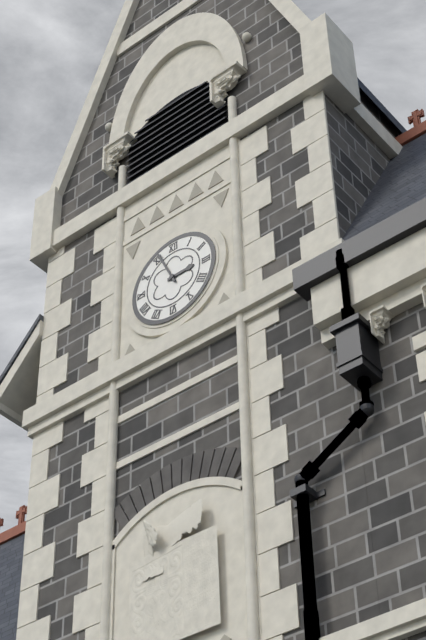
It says 2.56
